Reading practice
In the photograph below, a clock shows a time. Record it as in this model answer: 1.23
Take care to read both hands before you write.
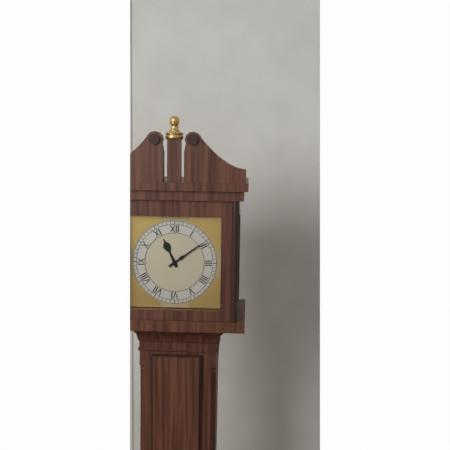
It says 11.09
